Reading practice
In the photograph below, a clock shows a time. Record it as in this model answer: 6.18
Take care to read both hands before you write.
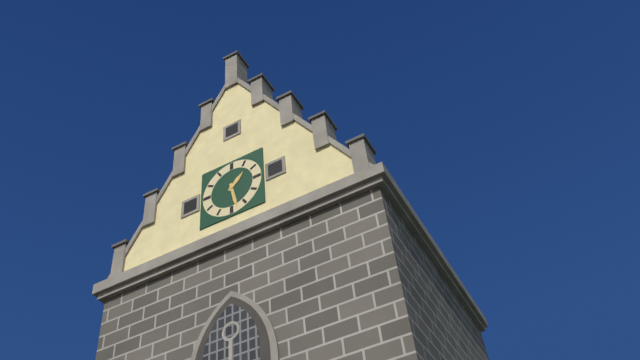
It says 1.28
